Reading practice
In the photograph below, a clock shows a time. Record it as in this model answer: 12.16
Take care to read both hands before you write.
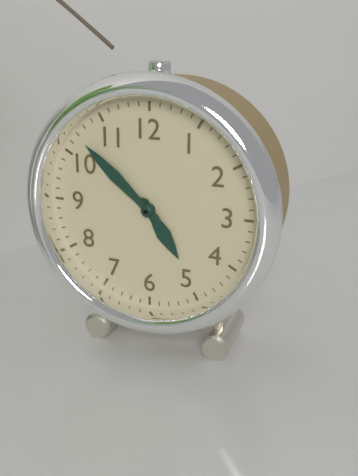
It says 4.52
